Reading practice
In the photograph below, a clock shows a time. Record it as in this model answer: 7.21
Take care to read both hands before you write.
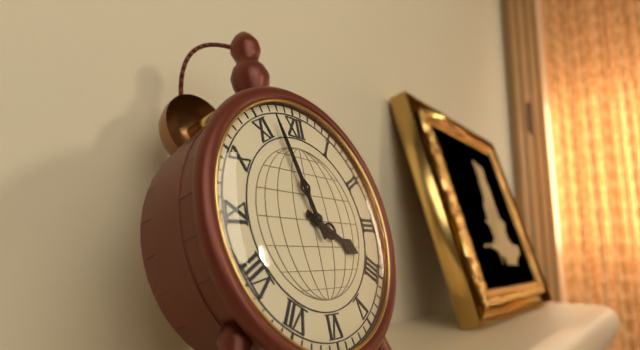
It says 3.57
